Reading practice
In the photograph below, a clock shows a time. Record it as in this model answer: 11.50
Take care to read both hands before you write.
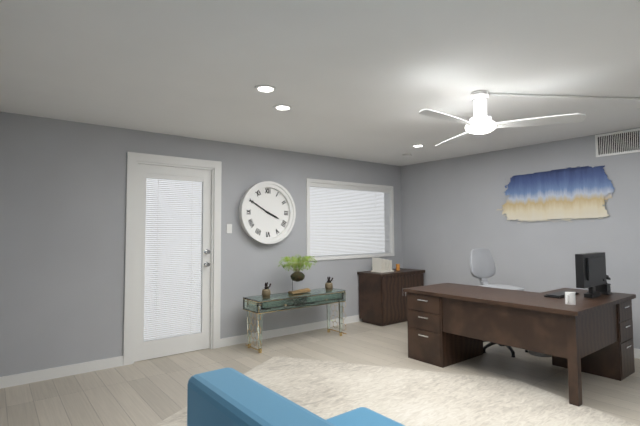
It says 3.50
